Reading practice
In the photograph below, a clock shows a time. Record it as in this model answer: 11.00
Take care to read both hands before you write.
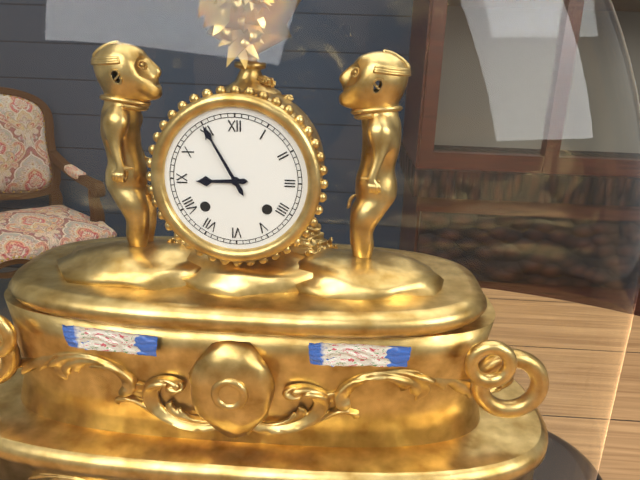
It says 8.55
